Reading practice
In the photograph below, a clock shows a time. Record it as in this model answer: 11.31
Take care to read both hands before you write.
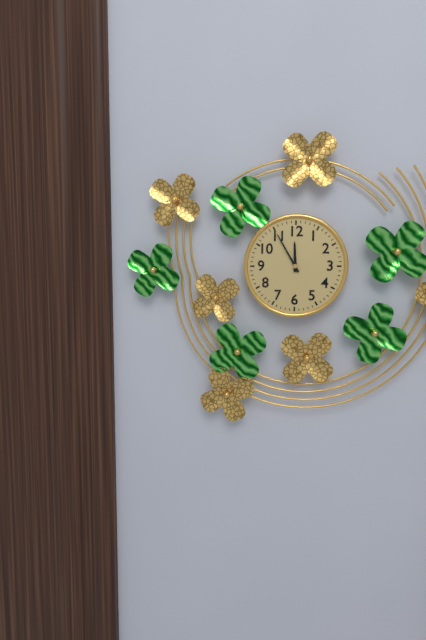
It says 11.55
